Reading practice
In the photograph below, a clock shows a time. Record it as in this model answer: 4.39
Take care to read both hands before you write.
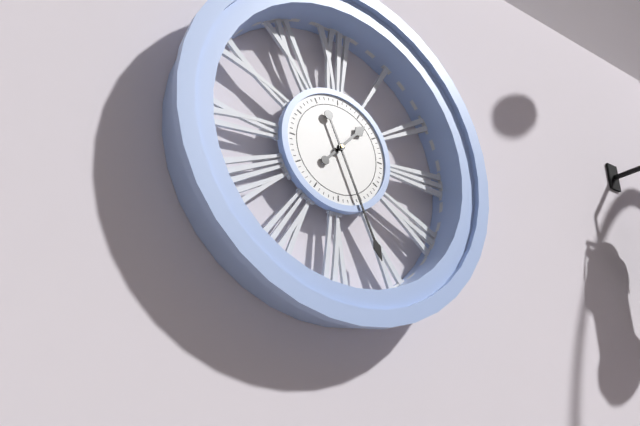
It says 1.26
